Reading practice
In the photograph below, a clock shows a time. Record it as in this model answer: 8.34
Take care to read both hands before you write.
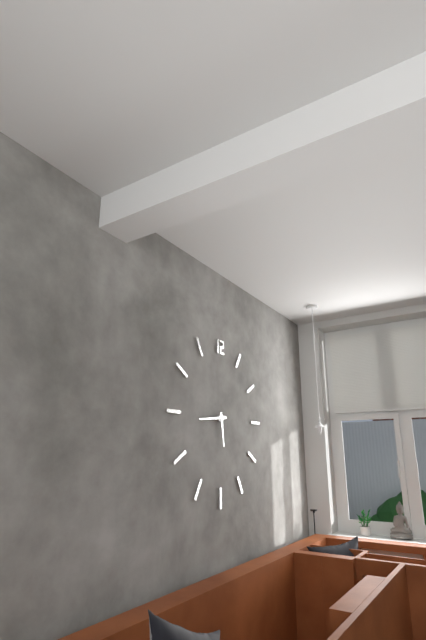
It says 5.44
